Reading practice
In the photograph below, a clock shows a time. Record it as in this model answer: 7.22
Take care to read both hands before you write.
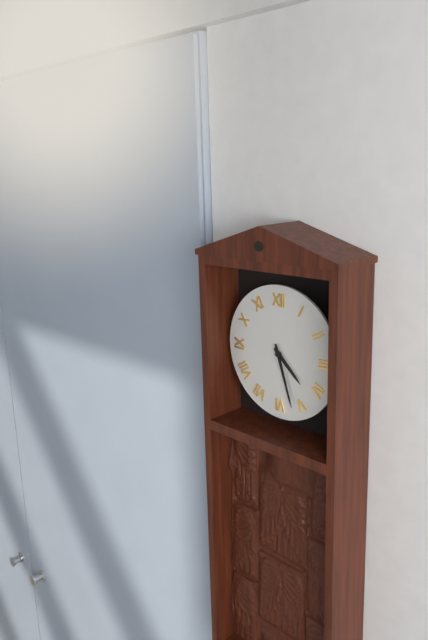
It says 4.27
